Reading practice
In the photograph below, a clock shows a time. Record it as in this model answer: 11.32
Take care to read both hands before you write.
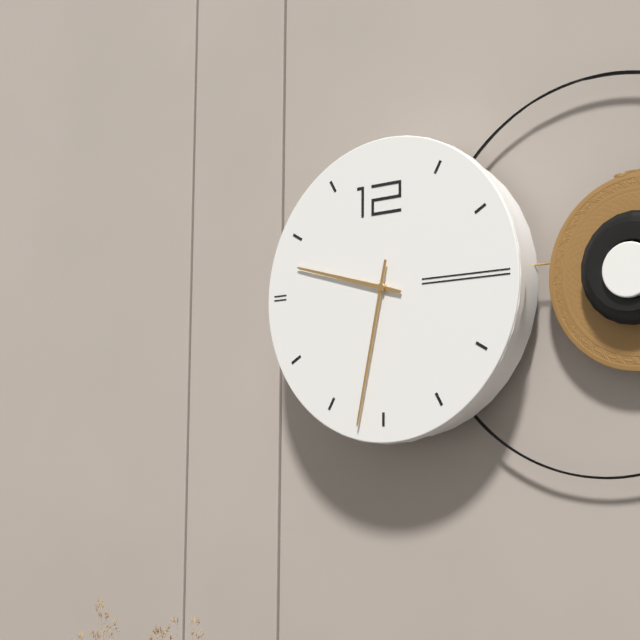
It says 9.32
